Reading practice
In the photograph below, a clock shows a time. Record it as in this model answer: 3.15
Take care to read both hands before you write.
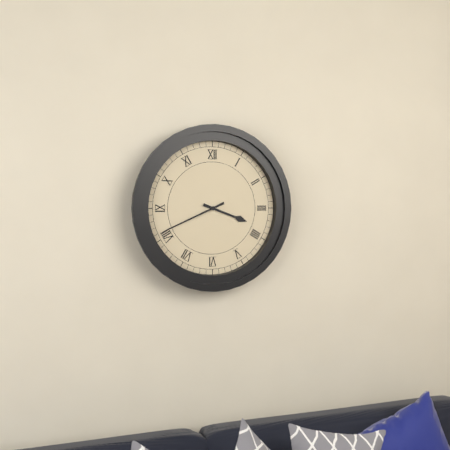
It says 3.41
